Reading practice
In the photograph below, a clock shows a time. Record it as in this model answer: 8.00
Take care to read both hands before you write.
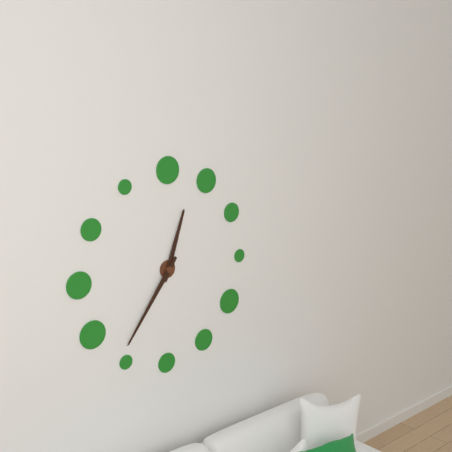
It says 12.36
